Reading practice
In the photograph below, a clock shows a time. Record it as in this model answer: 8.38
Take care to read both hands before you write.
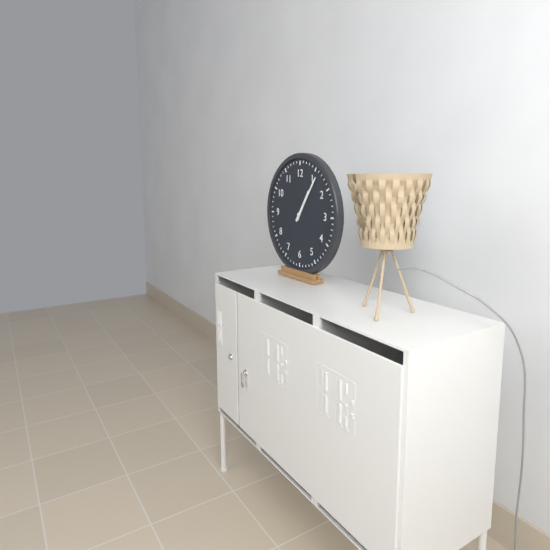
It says 1.06
